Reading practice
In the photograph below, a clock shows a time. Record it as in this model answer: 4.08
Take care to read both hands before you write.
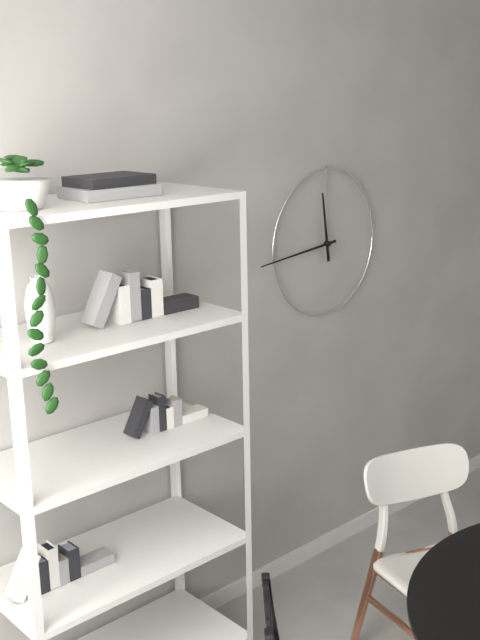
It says 11.44
